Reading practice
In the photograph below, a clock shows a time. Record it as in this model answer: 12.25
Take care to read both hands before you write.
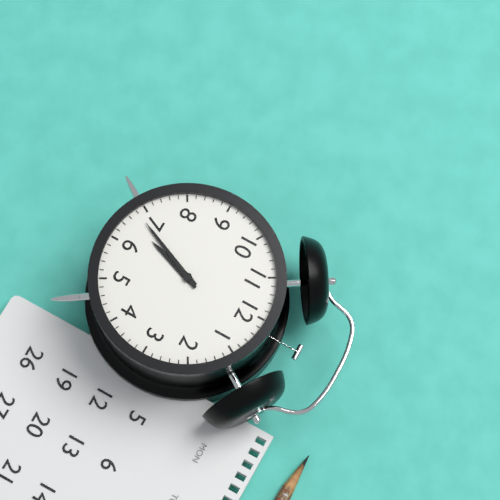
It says 6.34
